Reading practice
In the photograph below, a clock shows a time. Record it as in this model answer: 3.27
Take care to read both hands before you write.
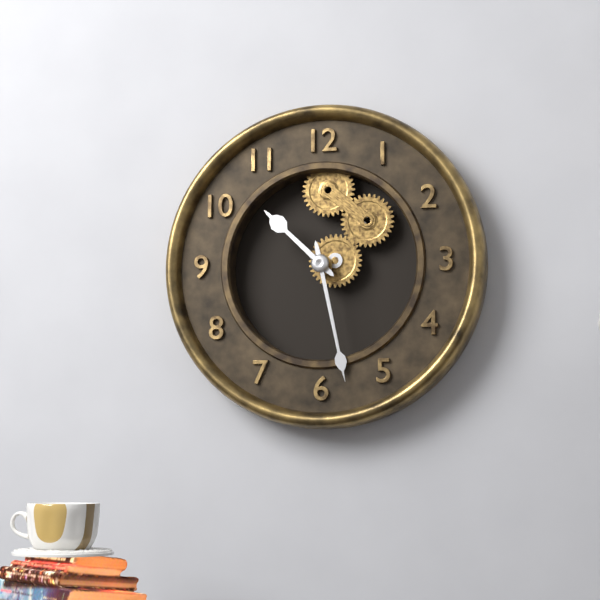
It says 10.28
